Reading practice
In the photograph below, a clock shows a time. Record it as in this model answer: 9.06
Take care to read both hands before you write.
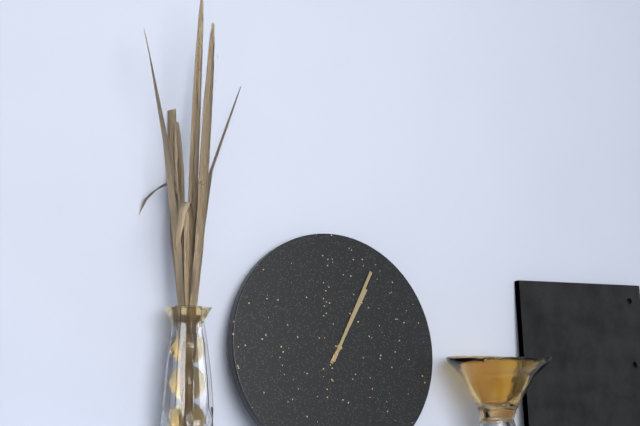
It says 1.05
